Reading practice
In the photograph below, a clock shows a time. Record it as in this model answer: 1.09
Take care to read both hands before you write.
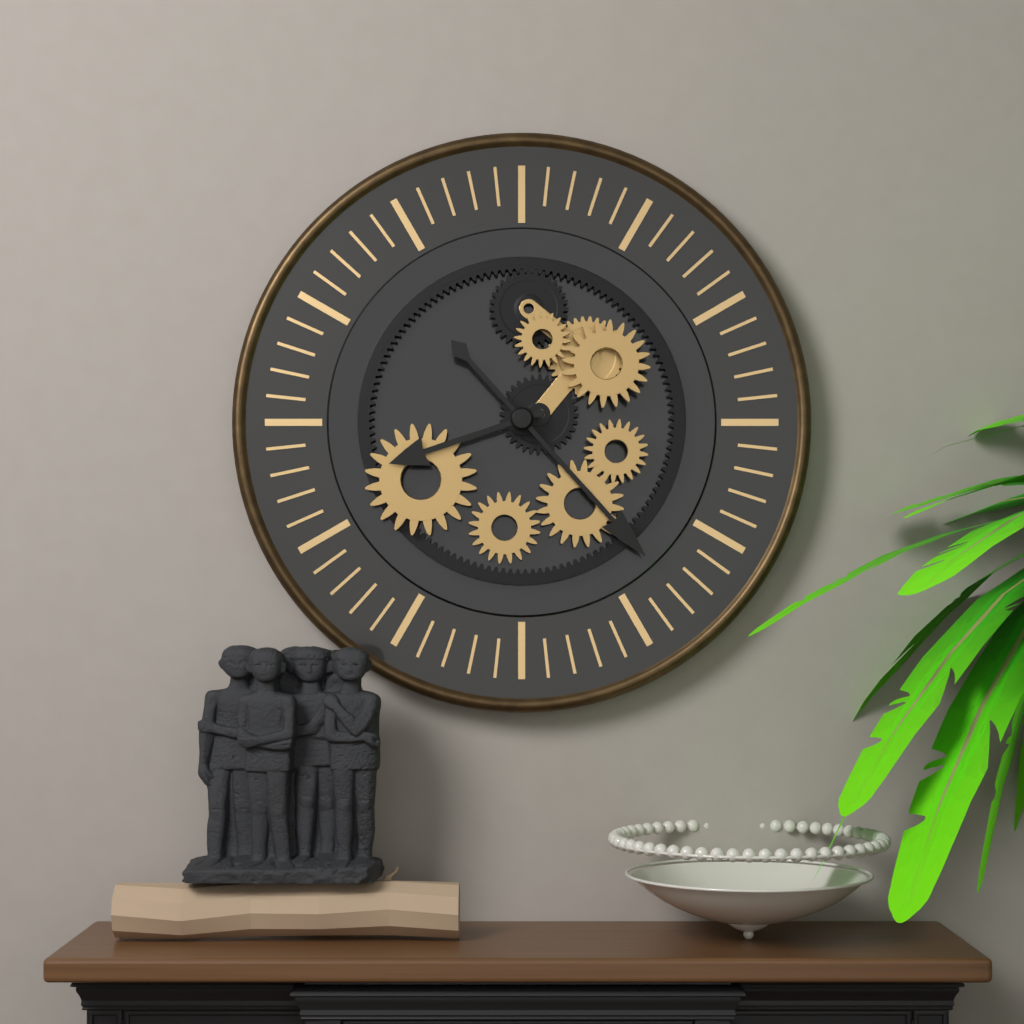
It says 8.23
